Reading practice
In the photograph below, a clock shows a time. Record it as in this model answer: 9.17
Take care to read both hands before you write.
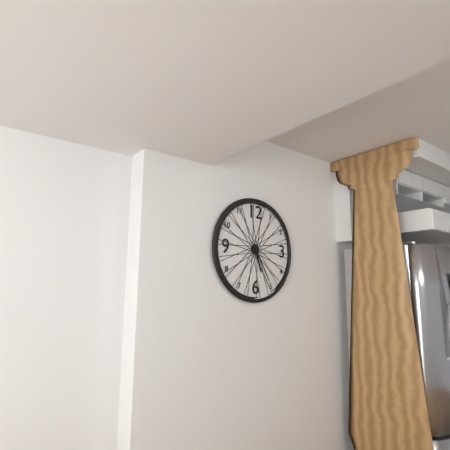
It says 5.25
